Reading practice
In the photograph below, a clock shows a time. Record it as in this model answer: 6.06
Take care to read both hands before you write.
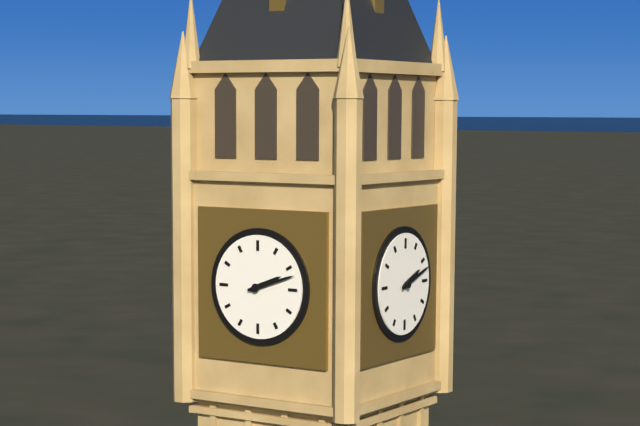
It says 2.12
